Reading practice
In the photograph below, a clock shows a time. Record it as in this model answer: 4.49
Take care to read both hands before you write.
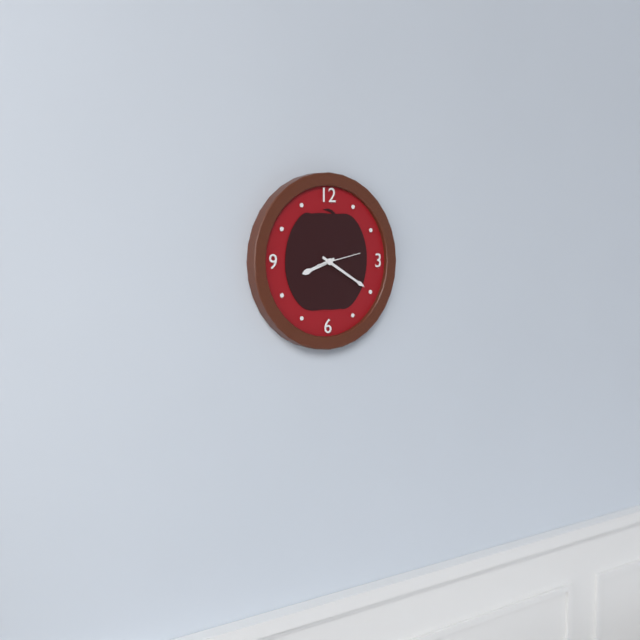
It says 8.20
